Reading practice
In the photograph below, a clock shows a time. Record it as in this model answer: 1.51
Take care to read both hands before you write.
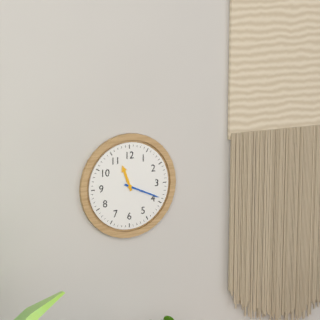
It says 11.19
